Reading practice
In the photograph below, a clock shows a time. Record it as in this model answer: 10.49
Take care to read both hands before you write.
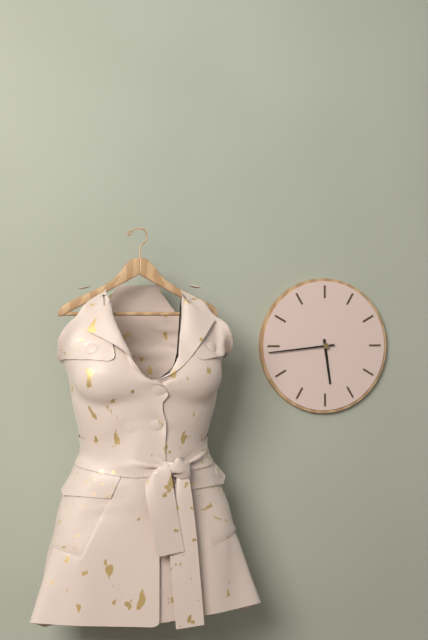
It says 5.44
